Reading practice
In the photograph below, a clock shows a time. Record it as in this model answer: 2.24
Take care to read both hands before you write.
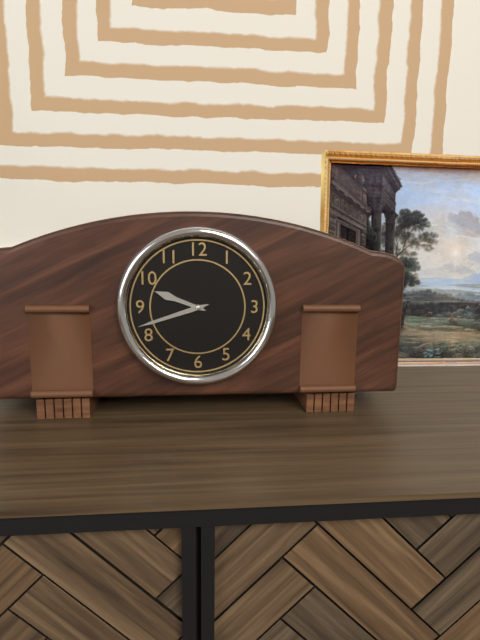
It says 9.42
